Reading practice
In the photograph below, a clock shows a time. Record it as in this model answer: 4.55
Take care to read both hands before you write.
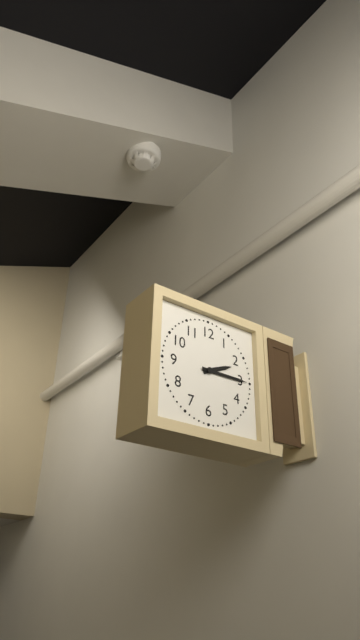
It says 2.15
